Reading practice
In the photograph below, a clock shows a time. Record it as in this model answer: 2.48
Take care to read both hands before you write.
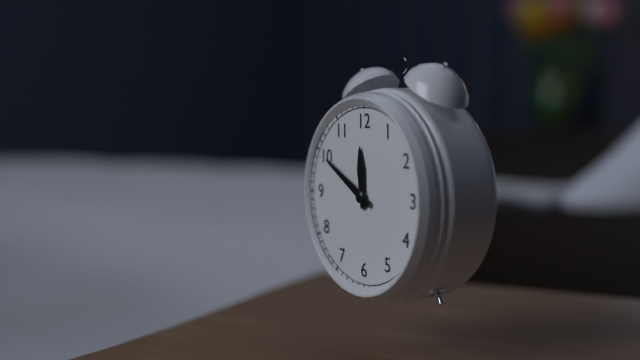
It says 11.50
